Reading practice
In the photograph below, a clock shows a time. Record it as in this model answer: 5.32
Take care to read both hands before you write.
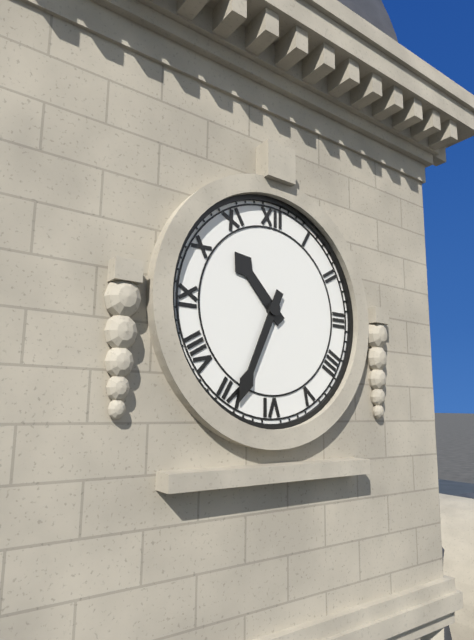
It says 10.34
